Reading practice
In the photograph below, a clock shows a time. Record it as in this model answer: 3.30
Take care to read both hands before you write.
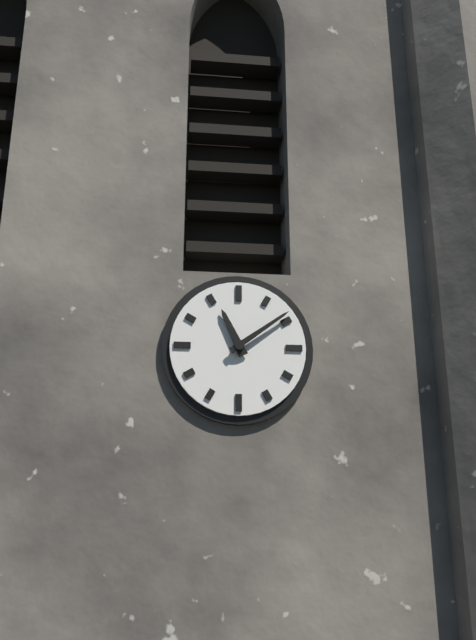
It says 11.09
